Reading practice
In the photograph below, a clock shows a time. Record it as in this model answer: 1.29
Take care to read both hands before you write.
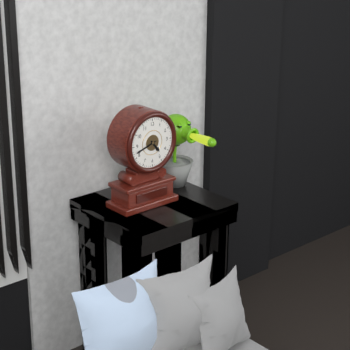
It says 4.42
